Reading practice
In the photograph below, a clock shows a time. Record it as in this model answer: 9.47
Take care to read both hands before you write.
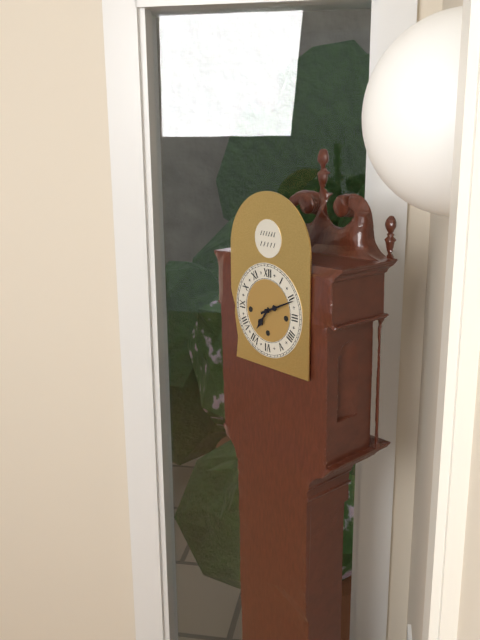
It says 7.11
